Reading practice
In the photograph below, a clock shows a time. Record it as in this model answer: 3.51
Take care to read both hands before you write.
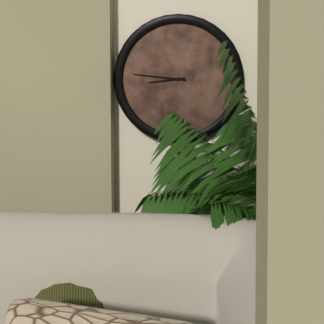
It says 8.46
